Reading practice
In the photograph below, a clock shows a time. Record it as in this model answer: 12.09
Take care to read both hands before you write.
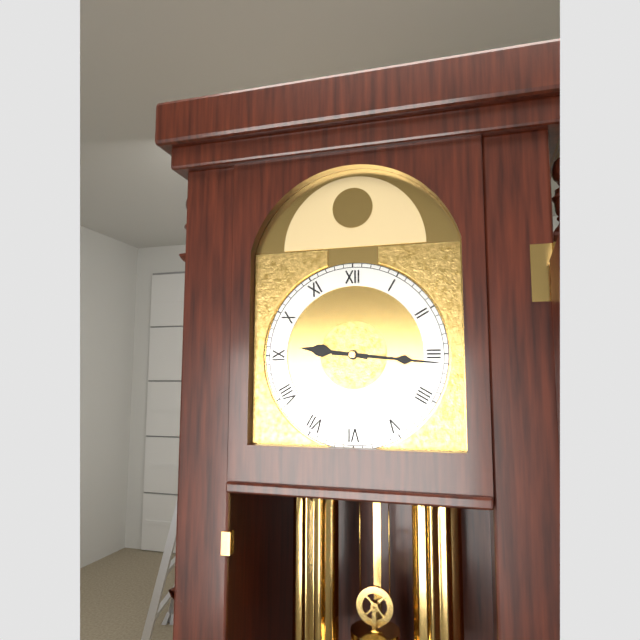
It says 9.16
